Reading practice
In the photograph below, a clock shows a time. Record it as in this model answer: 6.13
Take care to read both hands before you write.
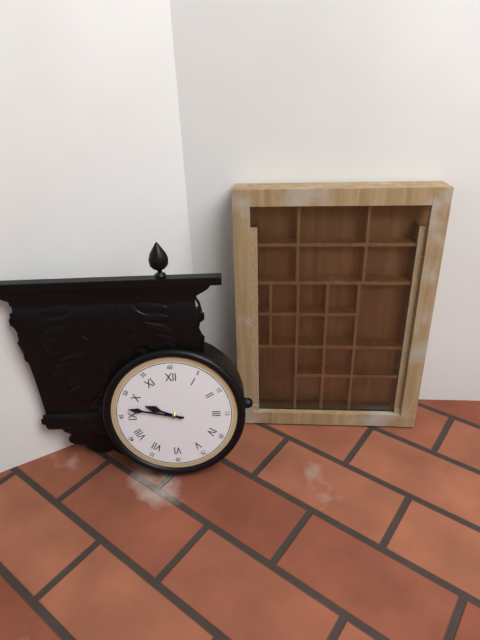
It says 9.47
